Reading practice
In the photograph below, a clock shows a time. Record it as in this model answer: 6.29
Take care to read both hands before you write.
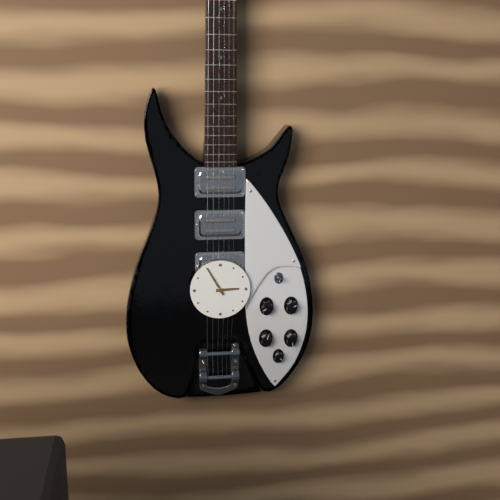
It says 2.55
